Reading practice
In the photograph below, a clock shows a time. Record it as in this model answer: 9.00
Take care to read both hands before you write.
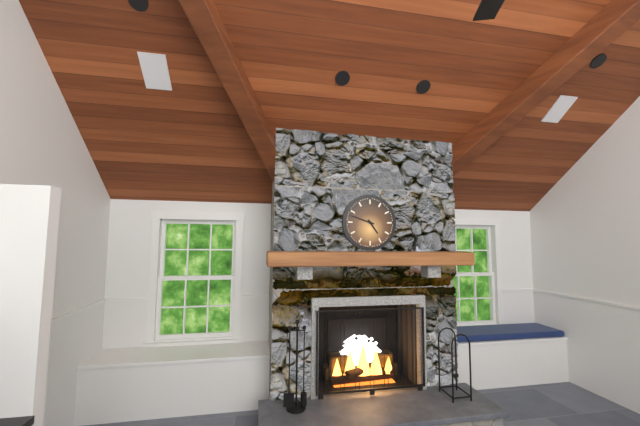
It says 4.48
